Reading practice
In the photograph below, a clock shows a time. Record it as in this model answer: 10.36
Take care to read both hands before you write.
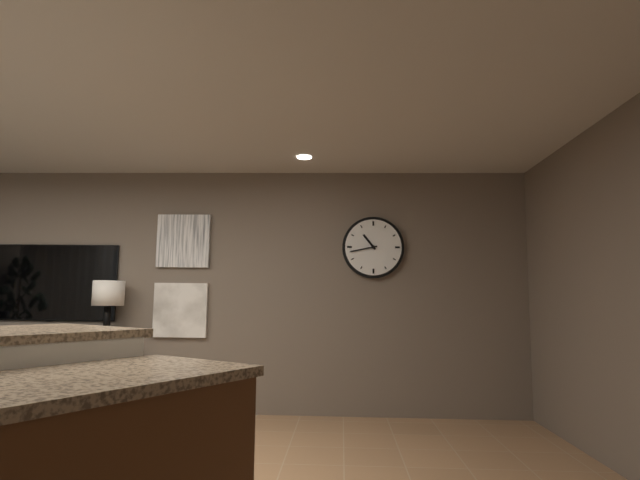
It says 10.43
